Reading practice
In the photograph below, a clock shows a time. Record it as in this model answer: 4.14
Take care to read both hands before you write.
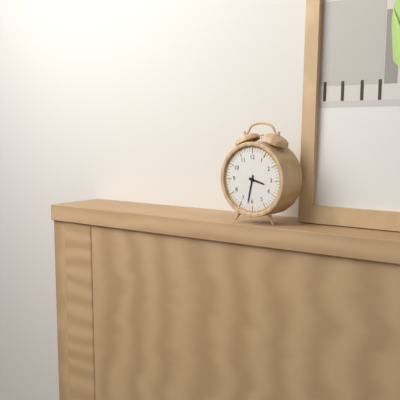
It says 3.32
